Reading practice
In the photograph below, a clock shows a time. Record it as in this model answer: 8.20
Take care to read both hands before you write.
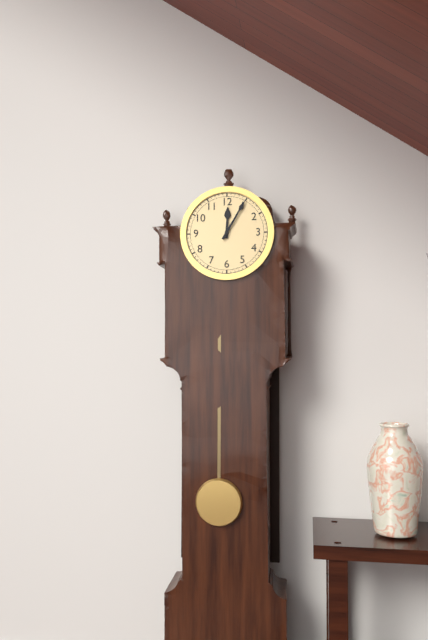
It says 12.05
